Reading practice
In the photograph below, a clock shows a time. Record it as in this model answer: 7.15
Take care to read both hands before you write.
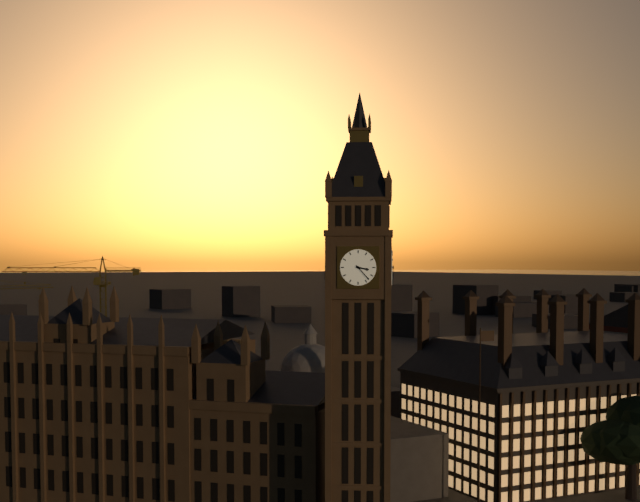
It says 3.23
